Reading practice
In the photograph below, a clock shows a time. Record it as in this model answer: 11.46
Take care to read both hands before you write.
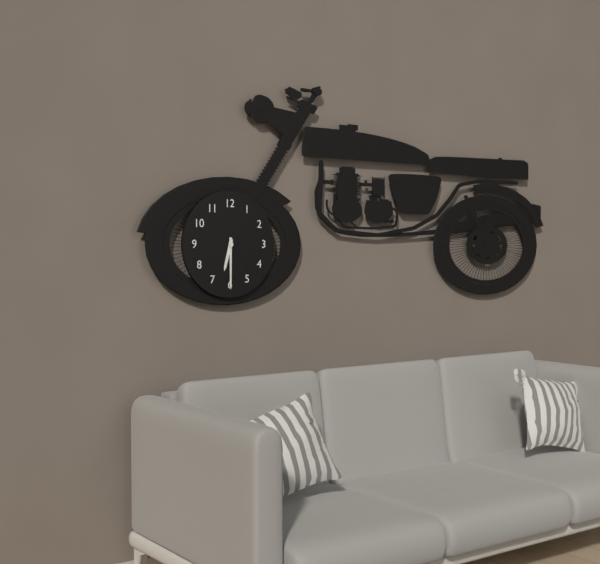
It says 6.30
